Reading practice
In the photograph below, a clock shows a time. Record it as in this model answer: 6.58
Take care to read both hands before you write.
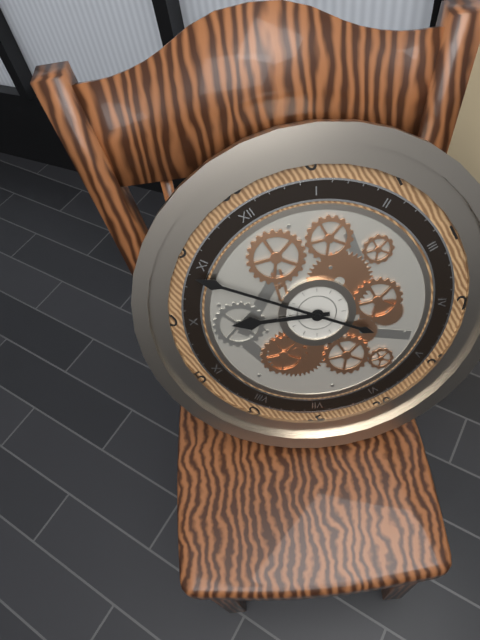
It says 9.54
